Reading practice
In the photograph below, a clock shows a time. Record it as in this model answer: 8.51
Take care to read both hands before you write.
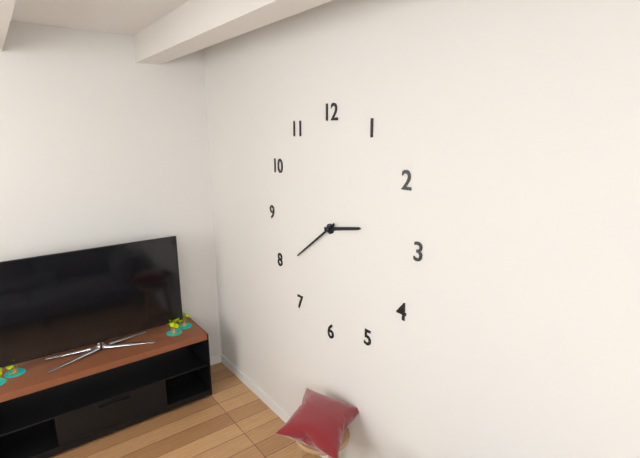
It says 2.39
